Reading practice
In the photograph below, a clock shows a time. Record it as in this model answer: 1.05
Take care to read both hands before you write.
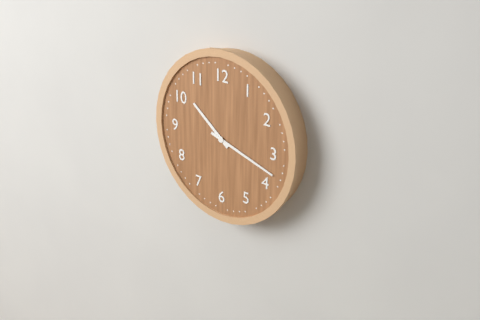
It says 10.18
